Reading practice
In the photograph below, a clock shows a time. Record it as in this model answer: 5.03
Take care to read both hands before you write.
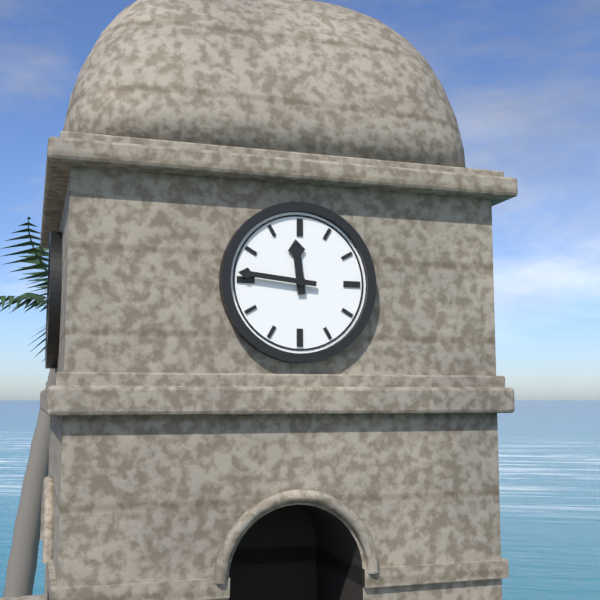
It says 11.46
